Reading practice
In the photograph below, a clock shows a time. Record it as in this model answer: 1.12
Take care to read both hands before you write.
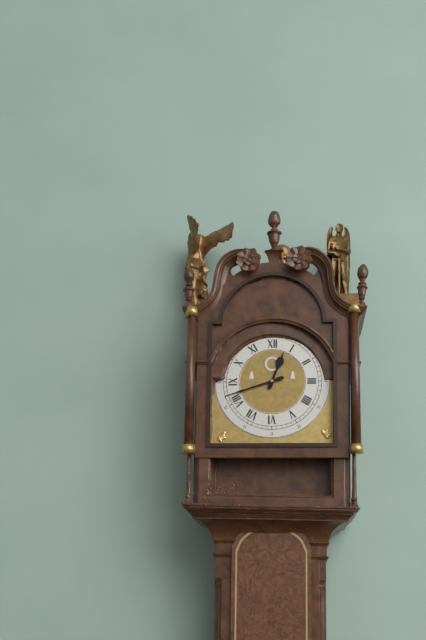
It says 12.42
